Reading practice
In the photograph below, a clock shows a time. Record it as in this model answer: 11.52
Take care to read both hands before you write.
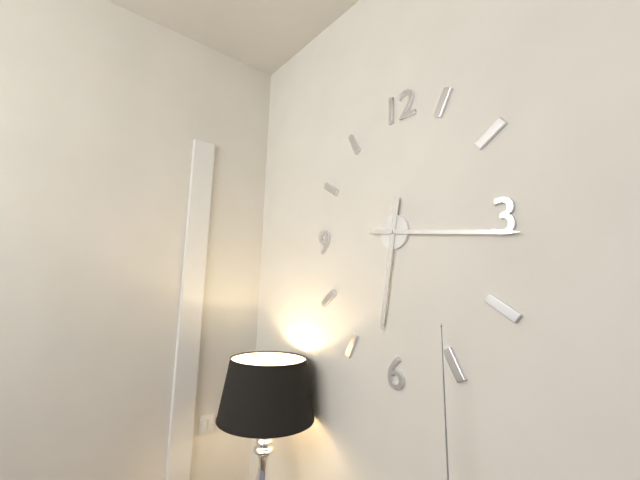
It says 6.16
